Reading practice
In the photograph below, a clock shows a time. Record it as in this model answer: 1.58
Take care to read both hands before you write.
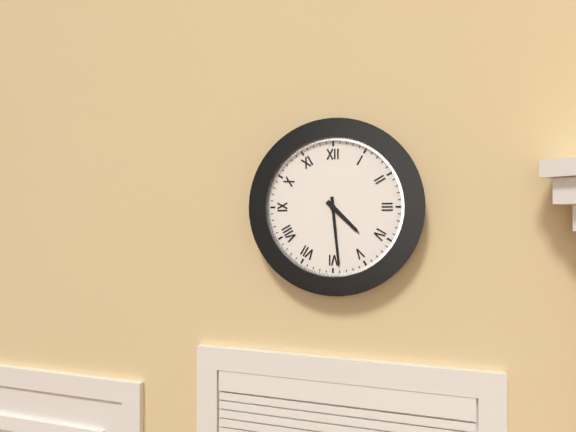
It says 4.29
